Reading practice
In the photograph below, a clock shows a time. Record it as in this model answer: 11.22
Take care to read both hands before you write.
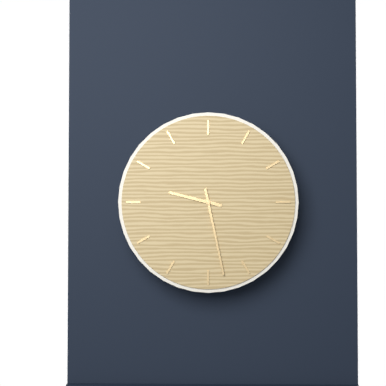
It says 9.28
